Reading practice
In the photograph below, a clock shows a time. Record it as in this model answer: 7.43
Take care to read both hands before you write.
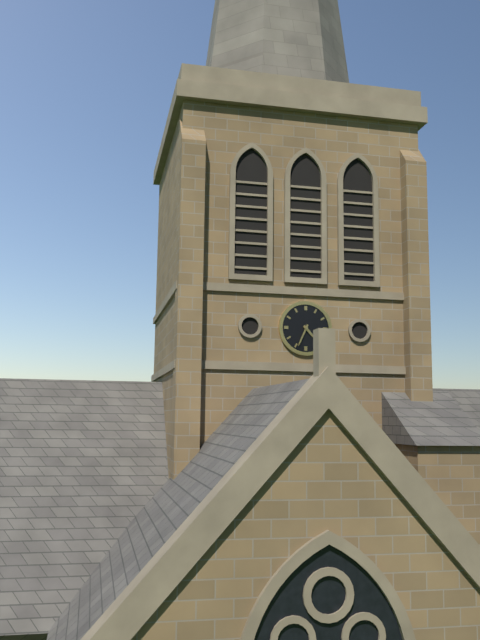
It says 4.34
